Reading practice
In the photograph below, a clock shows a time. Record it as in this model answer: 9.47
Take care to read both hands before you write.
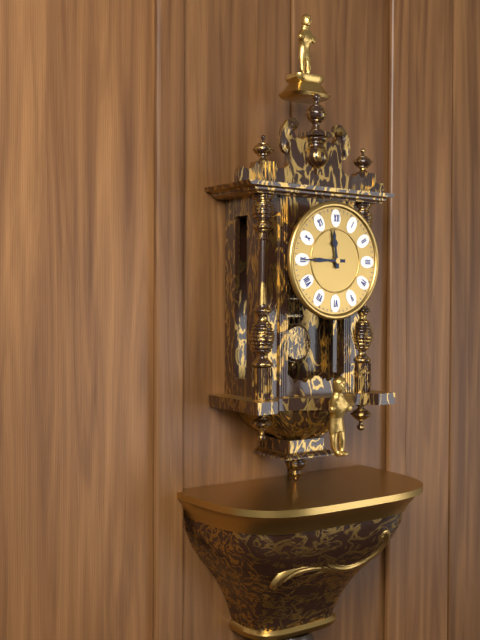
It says 11.45
